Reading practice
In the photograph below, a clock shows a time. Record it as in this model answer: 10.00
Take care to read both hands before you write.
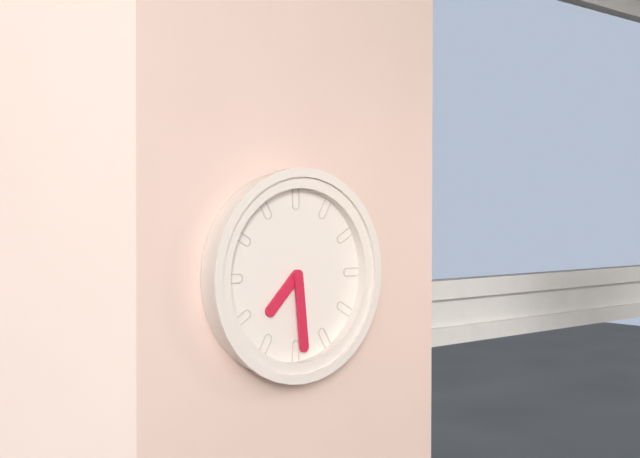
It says 7.29
